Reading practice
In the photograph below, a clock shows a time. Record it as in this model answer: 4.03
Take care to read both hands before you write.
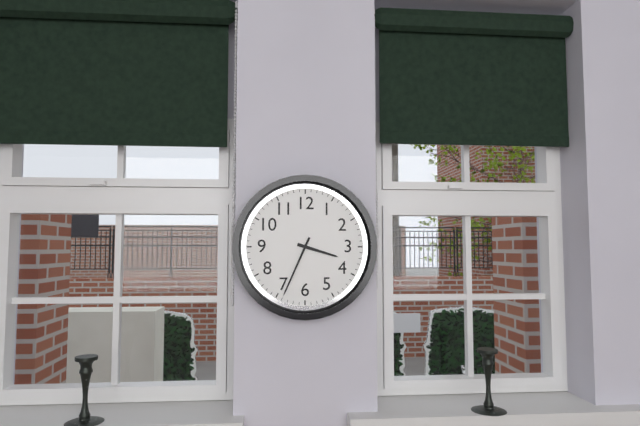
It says 3.34
